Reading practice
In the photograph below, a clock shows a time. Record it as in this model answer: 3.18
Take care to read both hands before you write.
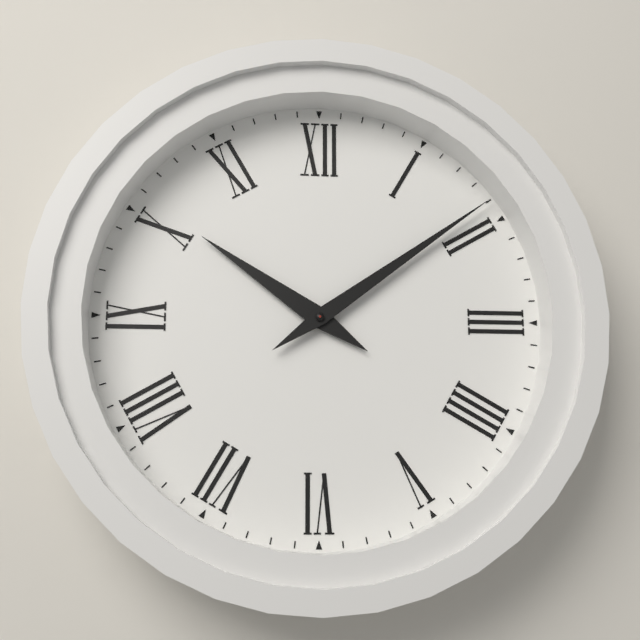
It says 10.09
